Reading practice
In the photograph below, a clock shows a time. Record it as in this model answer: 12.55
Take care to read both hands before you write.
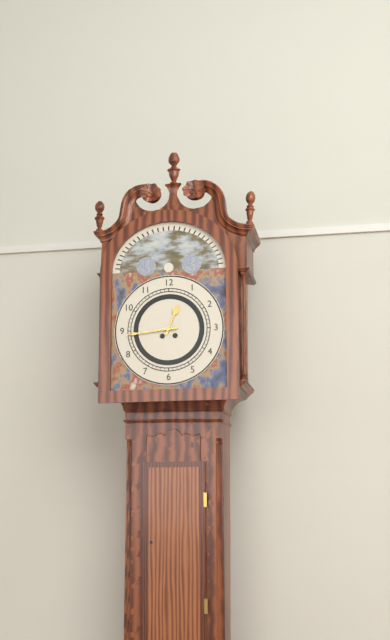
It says 12.44
